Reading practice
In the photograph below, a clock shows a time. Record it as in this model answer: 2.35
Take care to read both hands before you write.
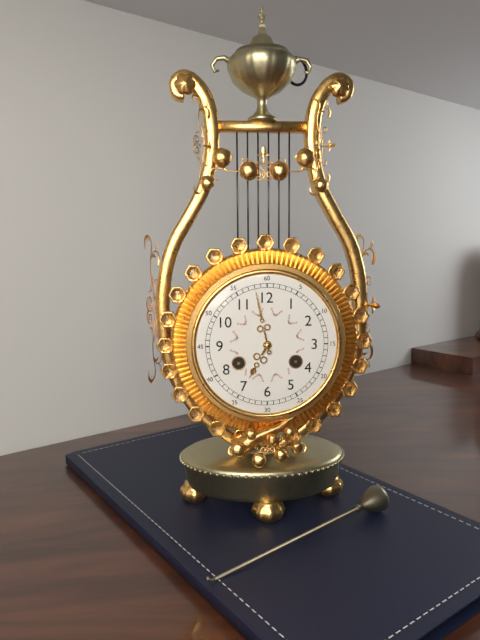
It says 6.58
